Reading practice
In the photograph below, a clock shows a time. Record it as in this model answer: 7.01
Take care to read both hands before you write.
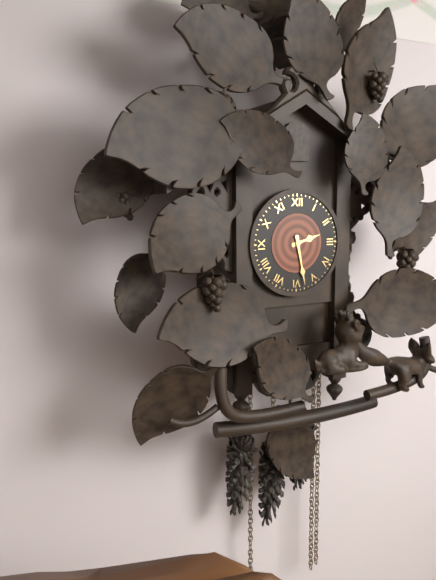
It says 2.28
